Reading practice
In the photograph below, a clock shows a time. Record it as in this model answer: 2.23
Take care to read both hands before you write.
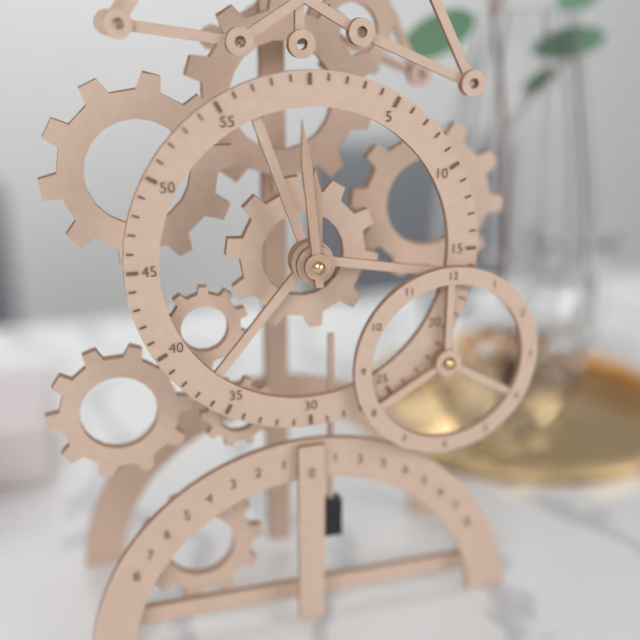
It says 11.59
